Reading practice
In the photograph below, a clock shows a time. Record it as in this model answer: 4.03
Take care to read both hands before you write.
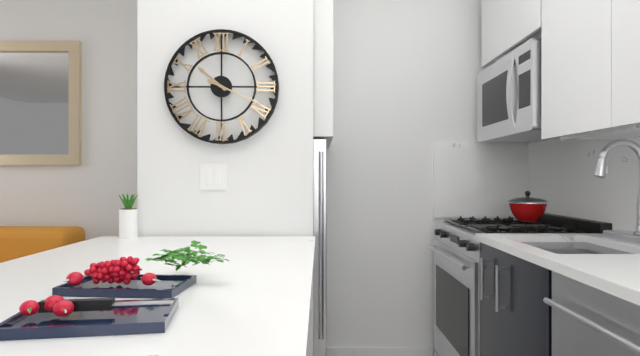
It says 10.19
